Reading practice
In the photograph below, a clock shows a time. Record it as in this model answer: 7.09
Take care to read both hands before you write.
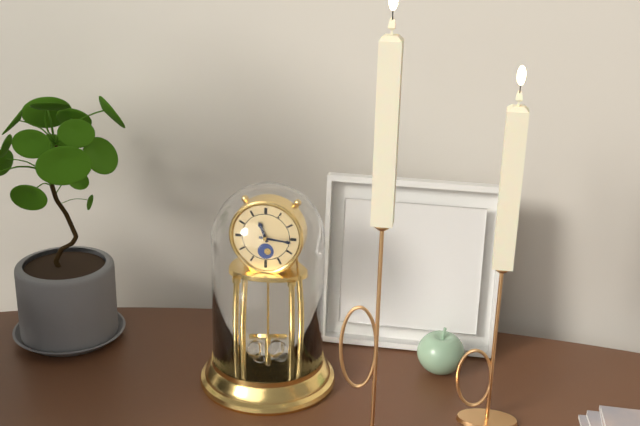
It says 11.16
